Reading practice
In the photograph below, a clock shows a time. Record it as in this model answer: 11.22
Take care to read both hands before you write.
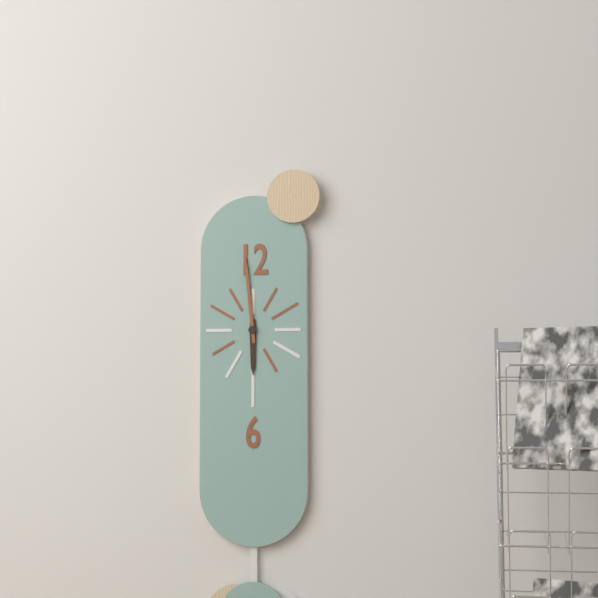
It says 5.59
